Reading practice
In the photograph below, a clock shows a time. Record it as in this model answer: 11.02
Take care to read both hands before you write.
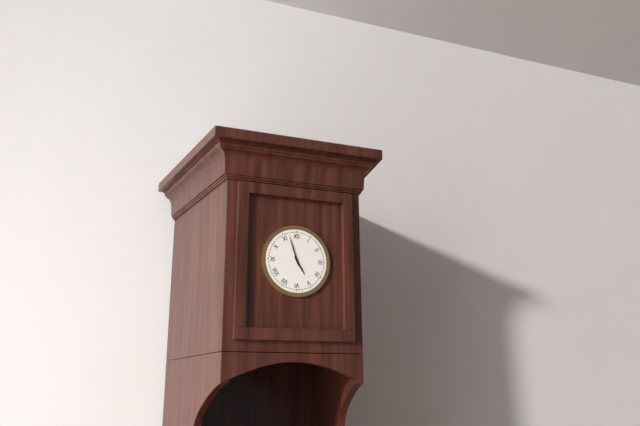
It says 4.57
